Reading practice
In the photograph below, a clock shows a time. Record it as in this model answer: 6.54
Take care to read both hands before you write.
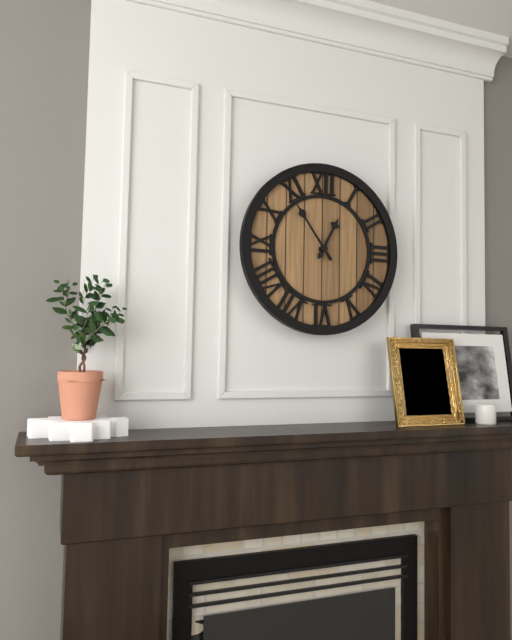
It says 12.54
